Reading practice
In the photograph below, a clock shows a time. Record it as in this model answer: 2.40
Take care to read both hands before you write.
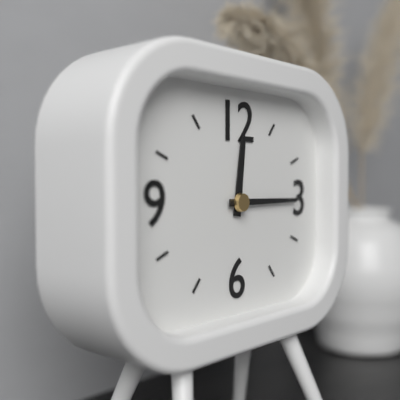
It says 12.15
